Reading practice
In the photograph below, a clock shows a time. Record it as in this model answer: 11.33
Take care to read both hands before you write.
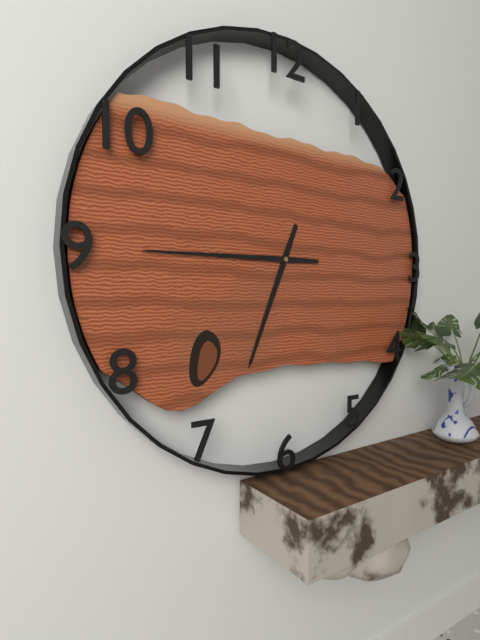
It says 6.45
